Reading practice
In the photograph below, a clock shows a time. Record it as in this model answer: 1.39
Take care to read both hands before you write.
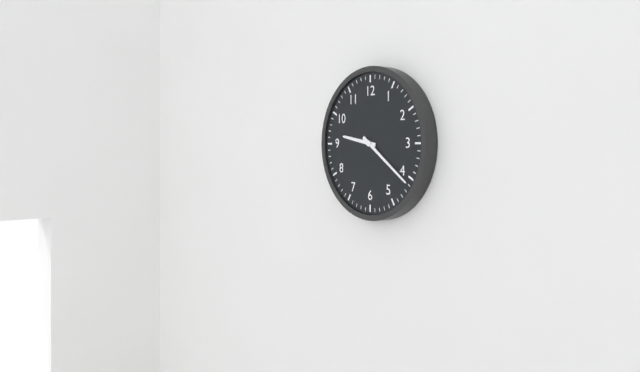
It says 9.21
